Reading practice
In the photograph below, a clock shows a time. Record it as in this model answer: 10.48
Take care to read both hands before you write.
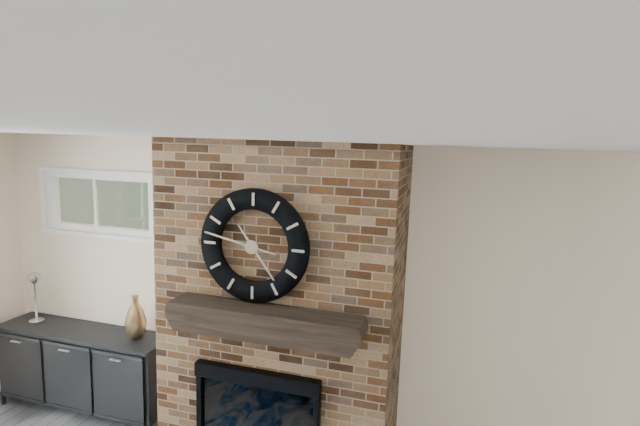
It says 4.47
